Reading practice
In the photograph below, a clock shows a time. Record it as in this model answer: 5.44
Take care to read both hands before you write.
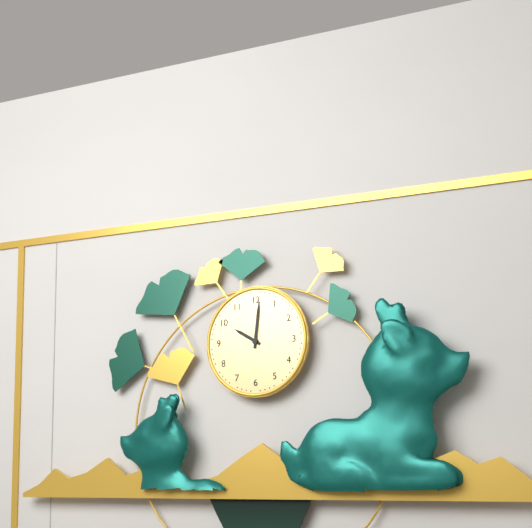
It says 10.01
